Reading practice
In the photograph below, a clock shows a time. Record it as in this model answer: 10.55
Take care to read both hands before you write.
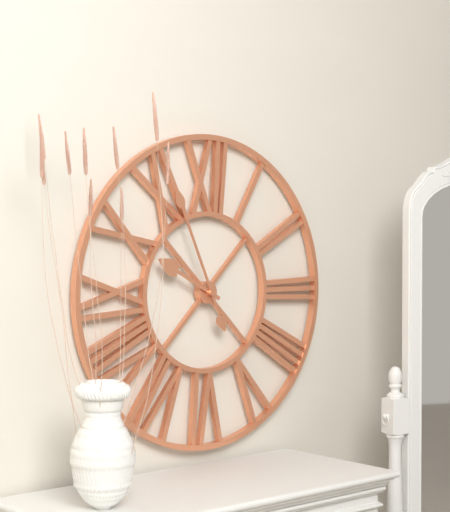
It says 9.56
